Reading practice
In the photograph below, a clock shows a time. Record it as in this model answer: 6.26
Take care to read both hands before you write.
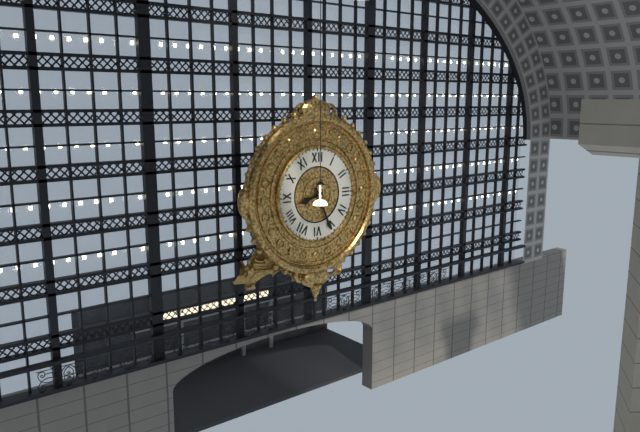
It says 8.26
